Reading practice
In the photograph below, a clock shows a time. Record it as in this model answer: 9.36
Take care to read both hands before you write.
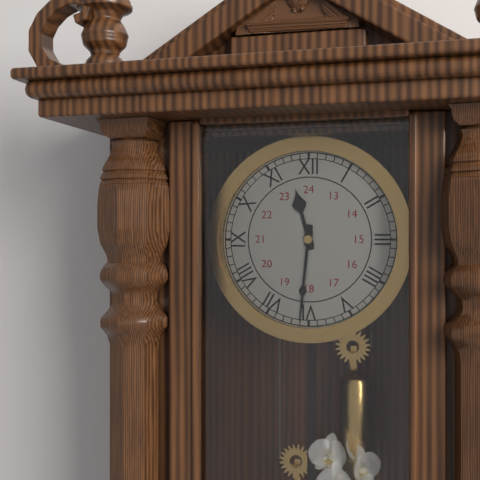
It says 11.31
